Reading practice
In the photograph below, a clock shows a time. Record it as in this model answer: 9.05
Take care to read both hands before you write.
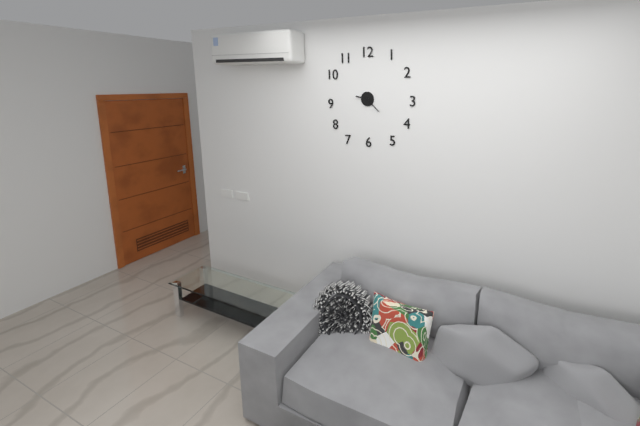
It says 9.22
